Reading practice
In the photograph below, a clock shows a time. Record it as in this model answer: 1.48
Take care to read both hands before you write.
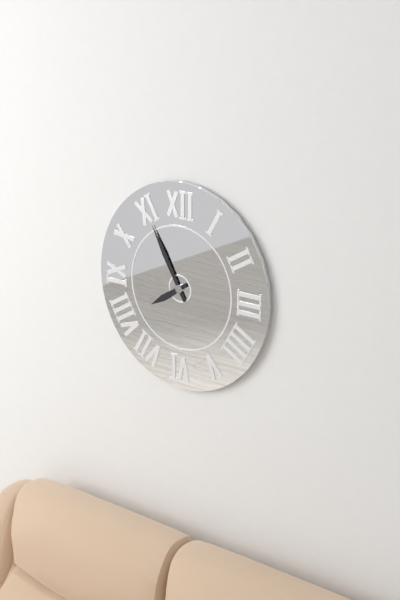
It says 7.55
